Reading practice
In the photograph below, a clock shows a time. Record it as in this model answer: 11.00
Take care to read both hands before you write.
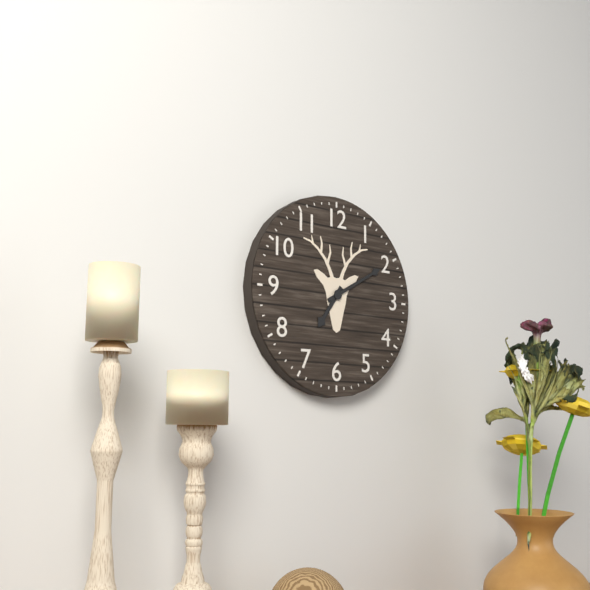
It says 7.10
